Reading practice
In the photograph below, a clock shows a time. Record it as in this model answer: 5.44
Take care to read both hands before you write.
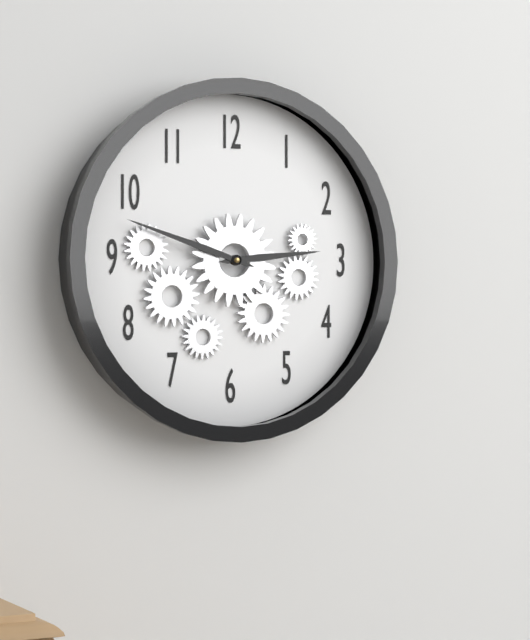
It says 2.48
